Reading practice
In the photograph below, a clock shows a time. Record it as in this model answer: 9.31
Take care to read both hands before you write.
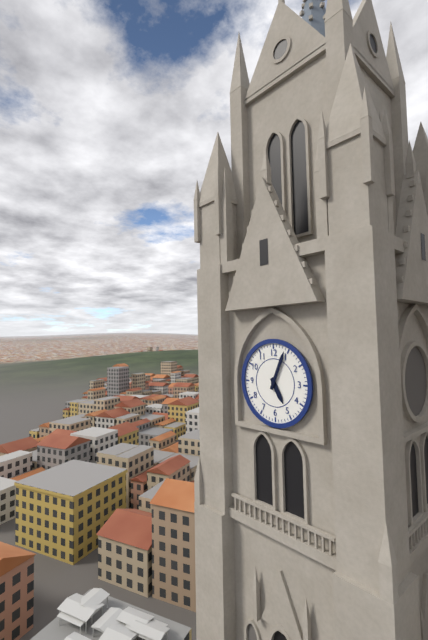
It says 5.04
